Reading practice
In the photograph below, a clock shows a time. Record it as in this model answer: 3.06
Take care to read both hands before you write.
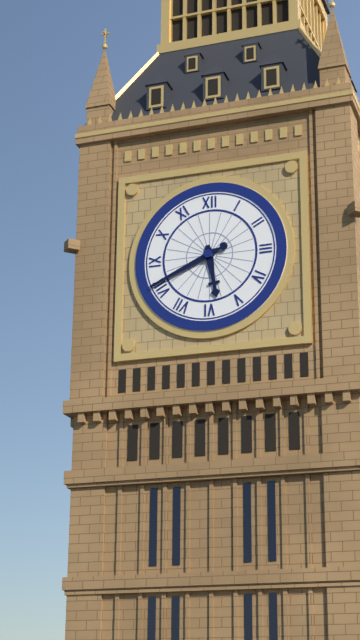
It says 5.41
